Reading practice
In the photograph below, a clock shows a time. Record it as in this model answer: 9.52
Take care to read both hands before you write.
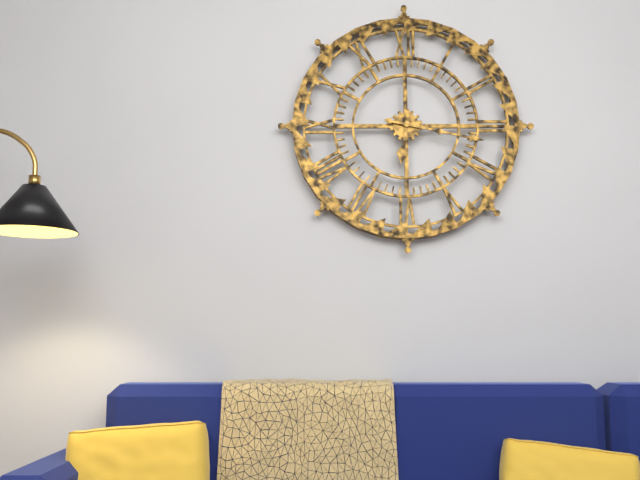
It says 6.17
